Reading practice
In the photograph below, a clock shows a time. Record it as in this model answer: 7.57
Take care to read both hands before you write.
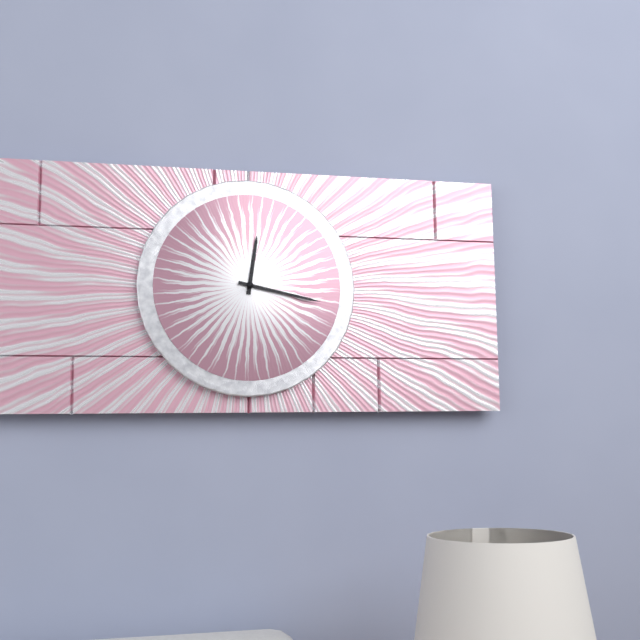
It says 12.17
